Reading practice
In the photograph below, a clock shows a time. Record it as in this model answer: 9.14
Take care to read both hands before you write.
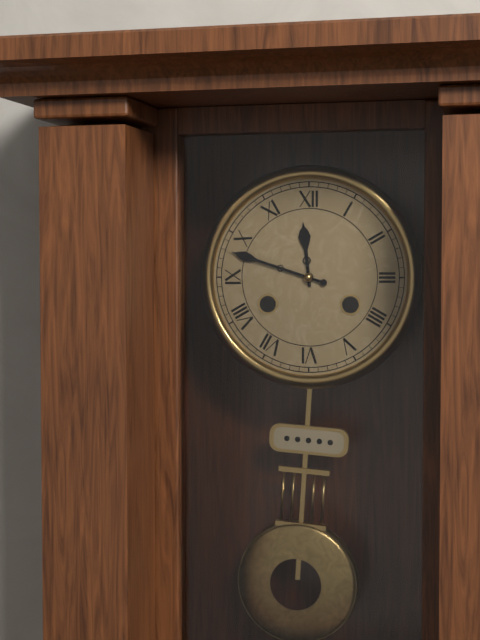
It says 11.48
